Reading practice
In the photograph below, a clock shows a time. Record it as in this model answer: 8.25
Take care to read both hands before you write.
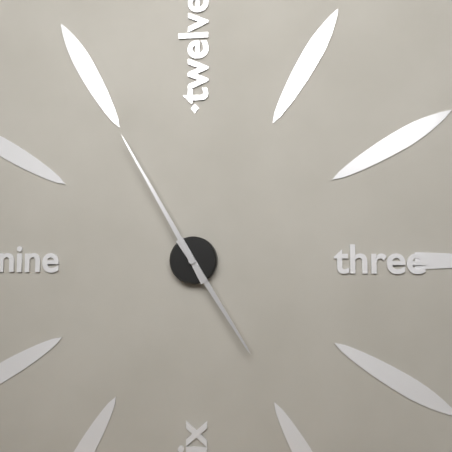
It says 4.55
